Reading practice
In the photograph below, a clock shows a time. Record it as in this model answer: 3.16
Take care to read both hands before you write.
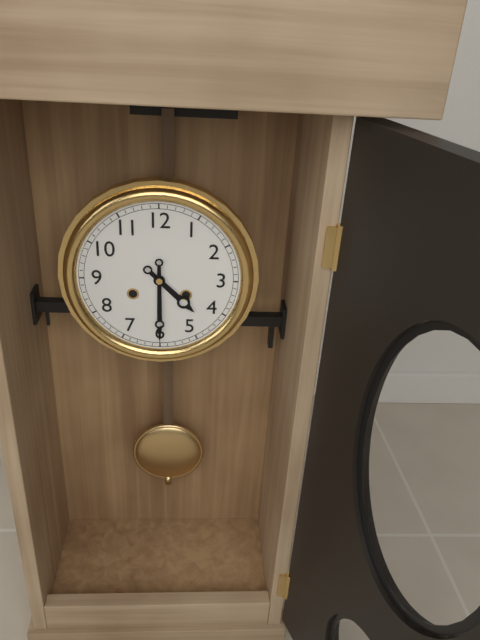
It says 4.30
